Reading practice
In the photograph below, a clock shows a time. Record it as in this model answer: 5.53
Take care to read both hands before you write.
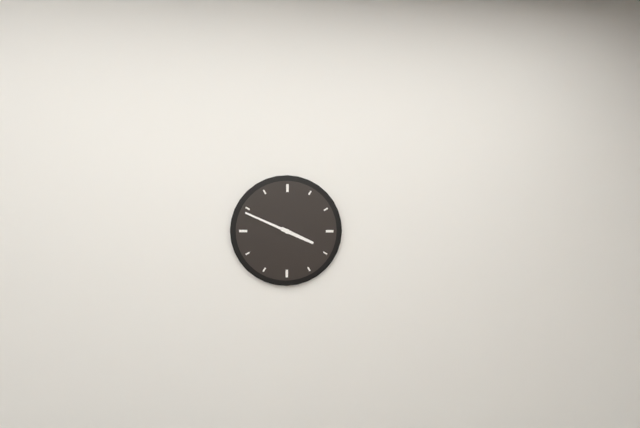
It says 3.49
